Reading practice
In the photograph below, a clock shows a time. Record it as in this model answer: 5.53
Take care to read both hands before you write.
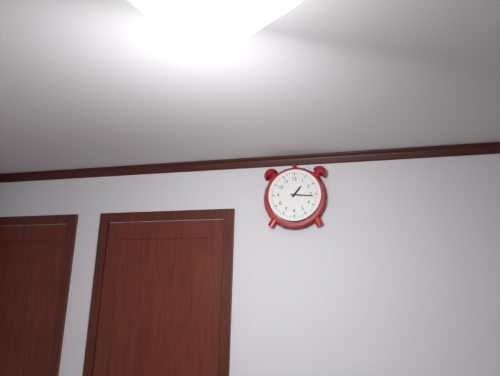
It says 1.16
